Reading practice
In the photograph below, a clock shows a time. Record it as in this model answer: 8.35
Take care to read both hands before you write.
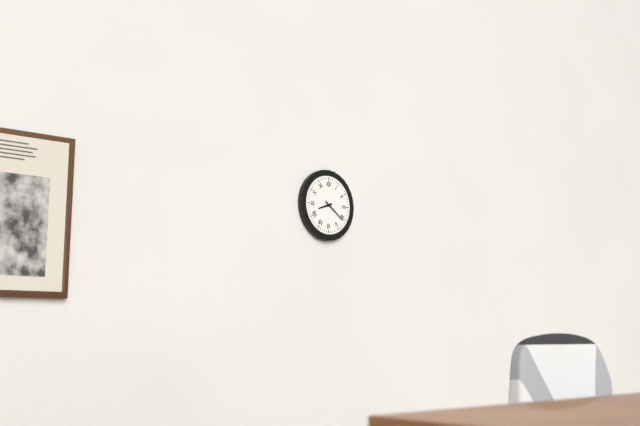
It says 8.21
